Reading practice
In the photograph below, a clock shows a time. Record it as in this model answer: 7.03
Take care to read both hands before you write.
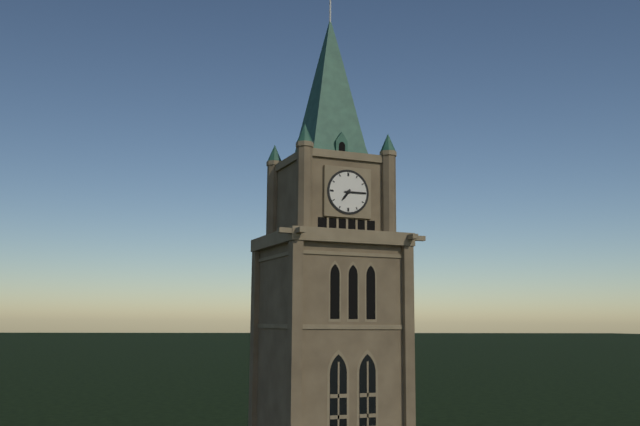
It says 7.15
